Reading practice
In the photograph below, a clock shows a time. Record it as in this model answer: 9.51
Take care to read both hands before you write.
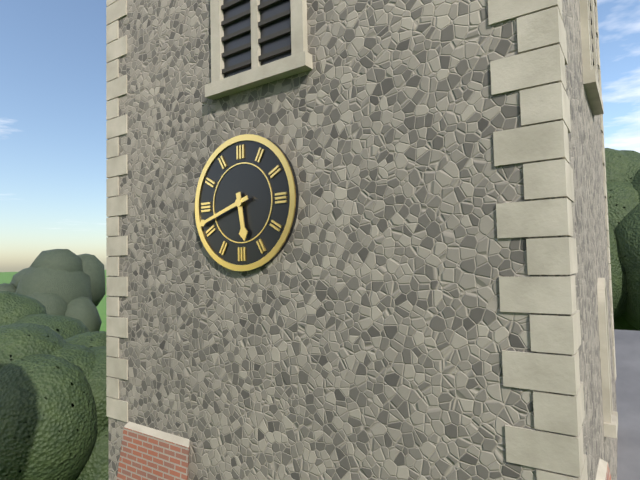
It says 5.42
